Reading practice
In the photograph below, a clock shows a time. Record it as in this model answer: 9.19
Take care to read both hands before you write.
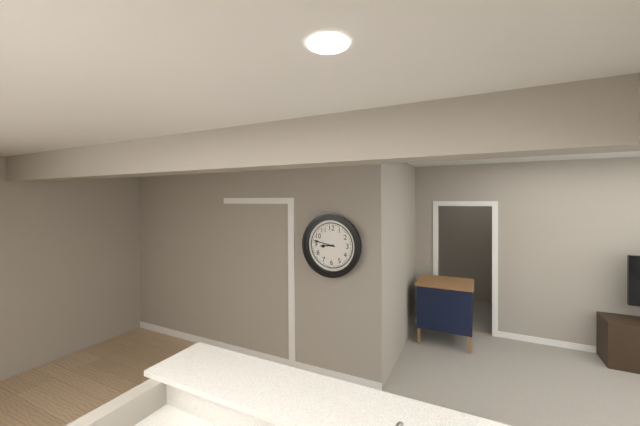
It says 8.47
